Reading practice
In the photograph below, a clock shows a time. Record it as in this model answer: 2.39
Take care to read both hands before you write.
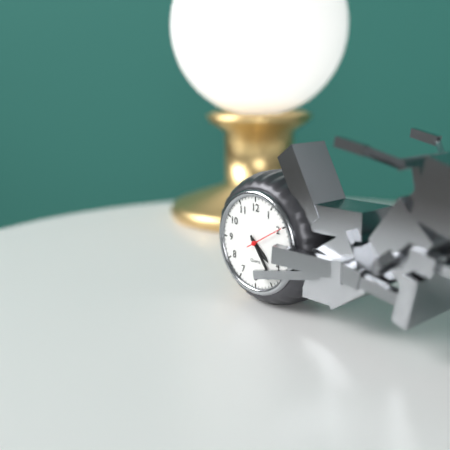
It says 4.24
